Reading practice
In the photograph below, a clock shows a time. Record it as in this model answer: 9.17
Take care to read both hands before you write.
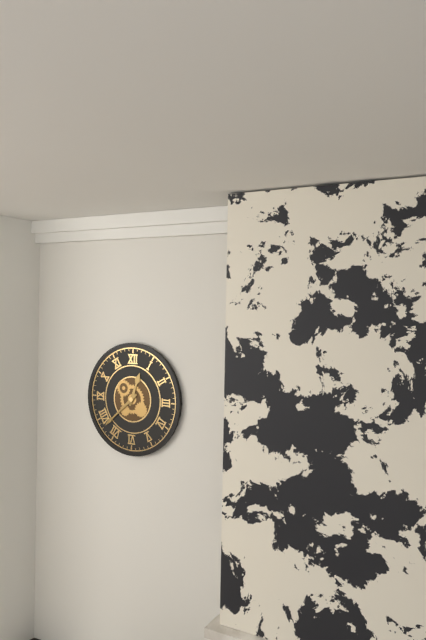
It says 12.38
